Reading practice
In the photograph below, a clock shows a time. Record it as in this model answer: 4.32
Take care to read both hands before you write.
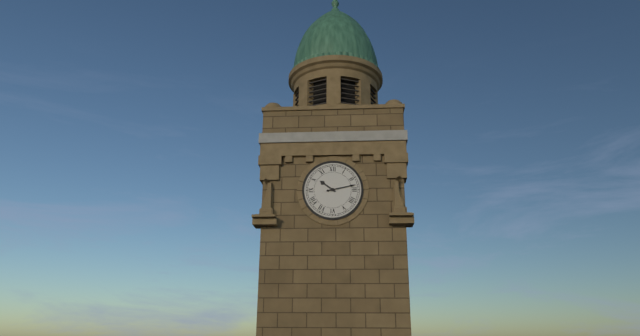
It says 10.13
